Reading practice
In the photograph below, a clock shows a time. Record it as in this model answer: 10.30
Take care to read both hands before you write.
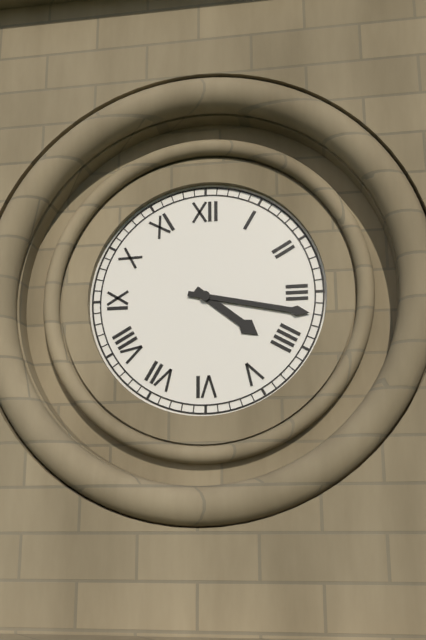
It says 4.17
